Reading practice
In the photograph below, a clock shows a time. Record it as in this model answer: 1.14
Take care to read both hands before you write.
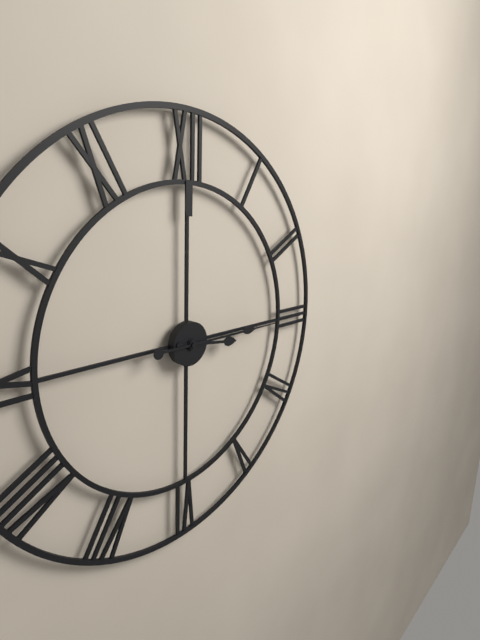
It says 3.15
